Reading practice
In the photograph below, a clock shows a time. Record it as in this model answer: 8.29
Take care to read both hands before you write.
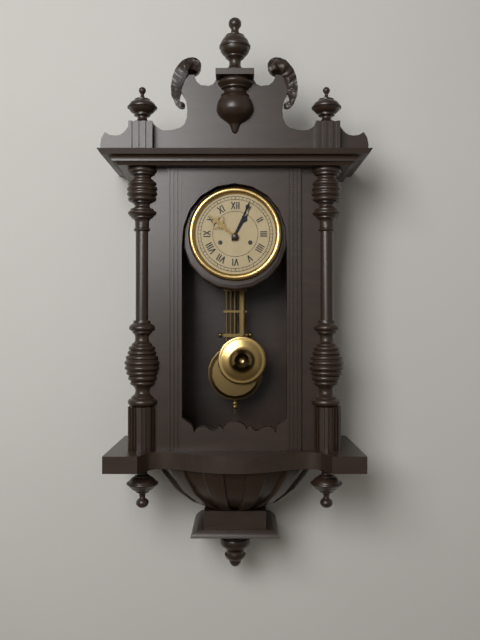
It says 1.04
